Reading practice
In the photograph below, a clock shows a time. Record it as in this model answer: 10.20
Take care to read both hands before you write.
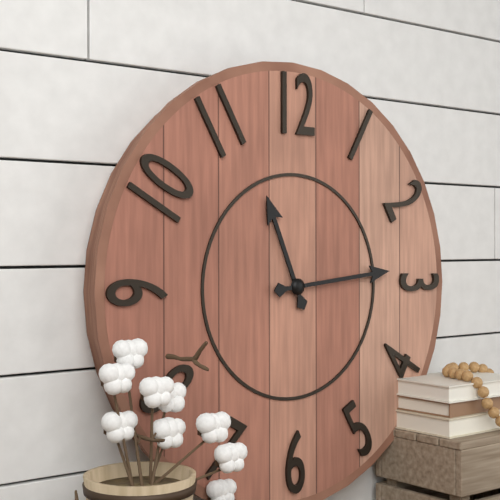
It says 11.14
